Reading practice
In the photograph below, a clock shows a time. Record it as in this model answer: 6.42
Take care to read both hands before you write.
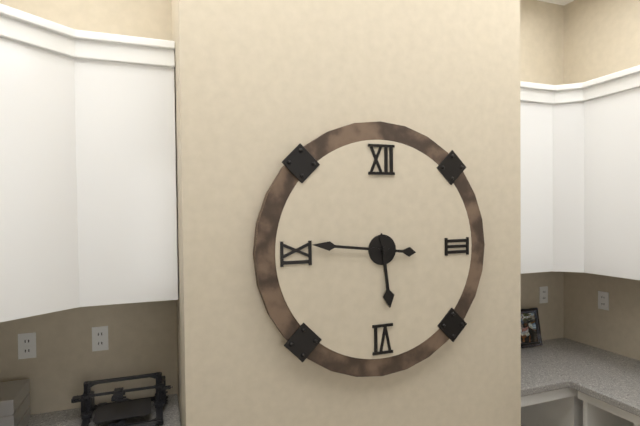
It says 5.46
